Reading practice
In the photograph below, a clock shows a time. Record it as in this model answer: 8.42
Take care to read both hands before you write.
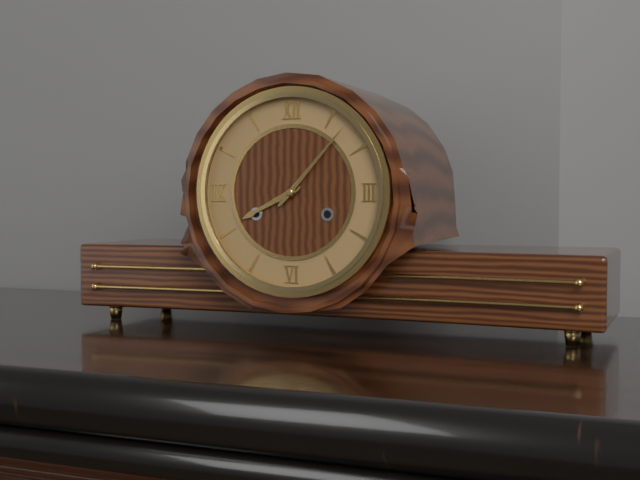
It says 8.07
